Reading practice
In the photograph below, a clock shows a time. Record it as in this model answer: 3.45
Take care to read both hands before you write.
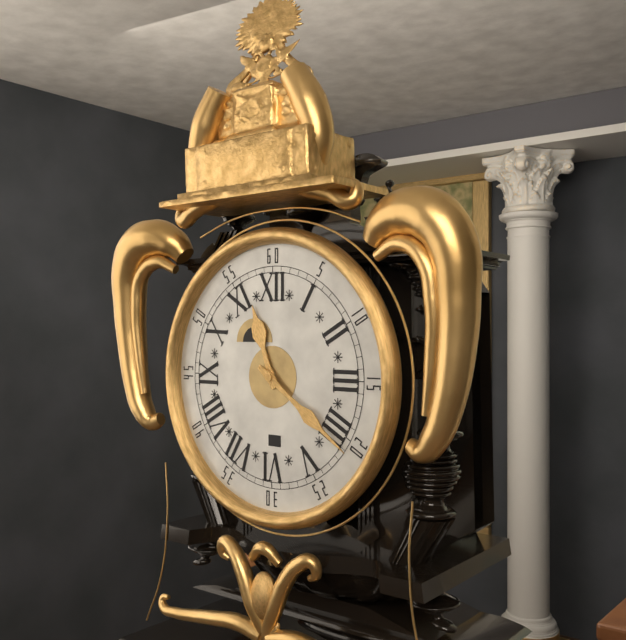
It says 11.21
